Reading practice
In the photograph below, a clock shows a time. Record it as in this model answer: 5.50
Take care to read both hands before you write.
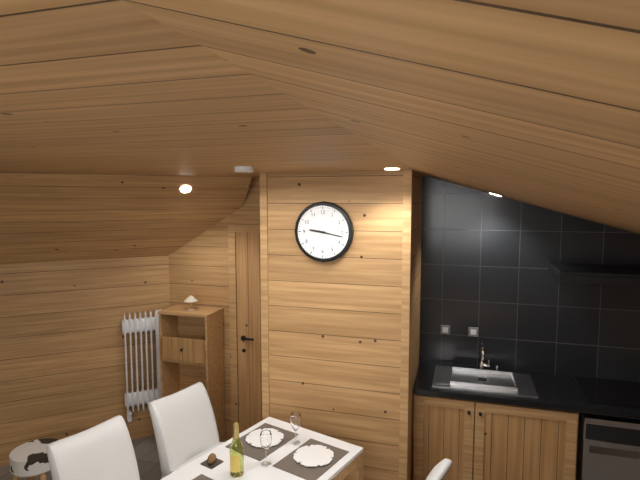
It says 9.17
